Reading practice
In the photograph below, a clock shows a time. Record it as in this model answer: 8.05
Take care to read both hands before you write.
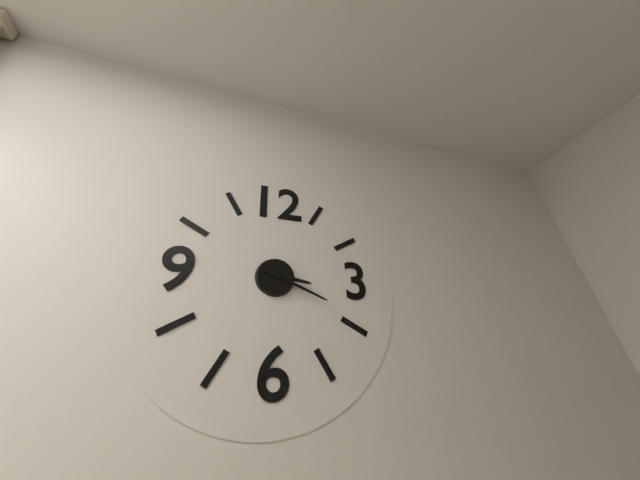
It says 3.19
